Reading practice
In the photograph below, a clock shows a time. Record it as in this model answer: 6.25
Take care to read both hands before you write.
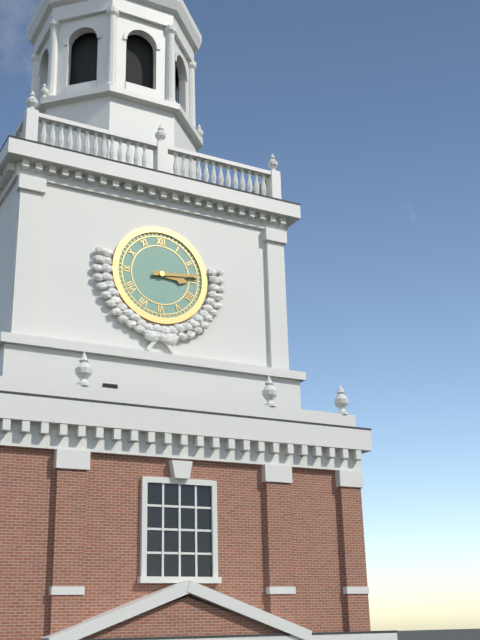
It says 3.14
